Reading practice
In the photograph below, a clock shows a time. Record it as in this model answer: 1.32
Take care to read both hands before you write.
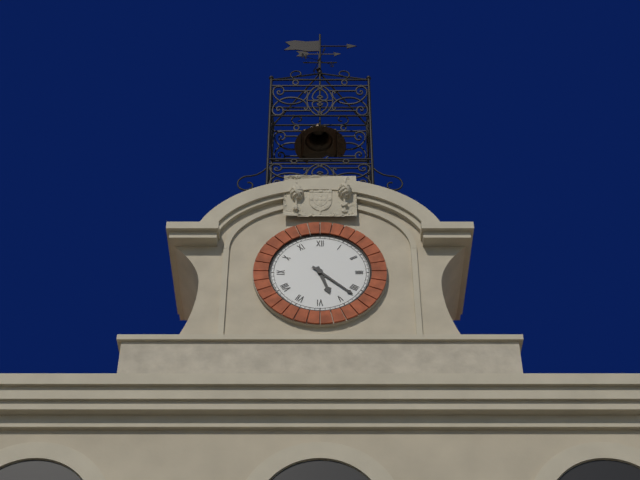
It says 5.22
